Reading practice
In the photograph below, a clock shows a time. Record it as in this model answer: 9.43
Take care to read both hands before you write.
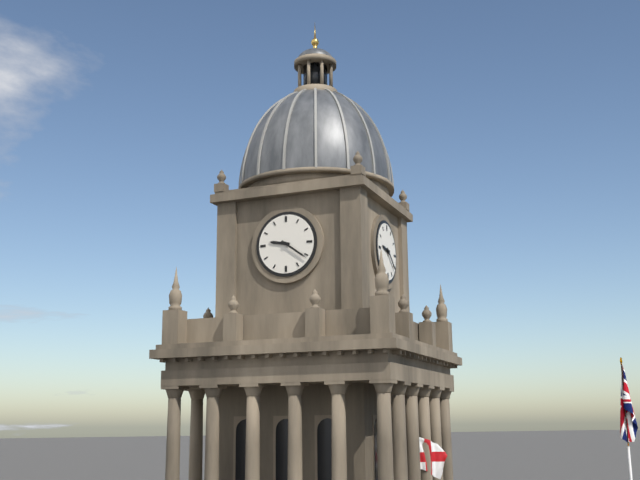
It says 9.21
